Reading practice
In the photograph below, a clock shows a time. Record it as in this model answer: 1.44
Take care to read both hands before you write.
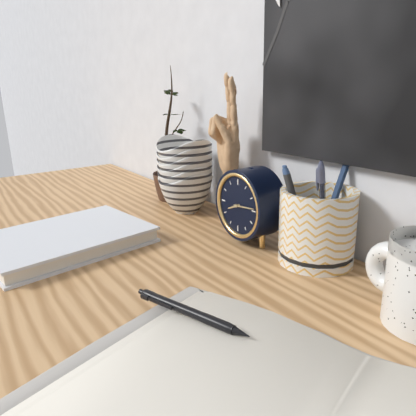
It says 8.14
